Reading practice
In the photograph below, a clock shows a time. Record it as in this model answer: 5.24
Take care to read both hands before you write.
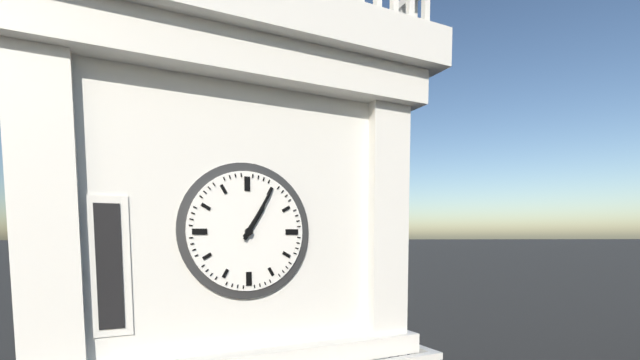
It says 1.05
